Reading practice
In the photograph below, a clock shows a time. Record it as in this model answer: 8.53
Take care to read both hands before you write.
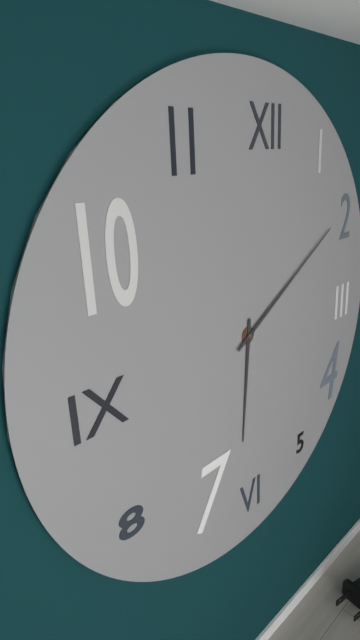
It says 6.10
